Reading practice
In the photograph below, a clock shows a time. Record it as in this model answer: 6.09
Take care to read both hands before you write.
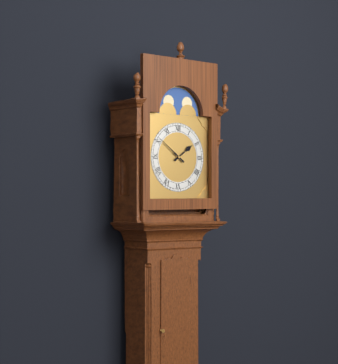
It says 1.51
